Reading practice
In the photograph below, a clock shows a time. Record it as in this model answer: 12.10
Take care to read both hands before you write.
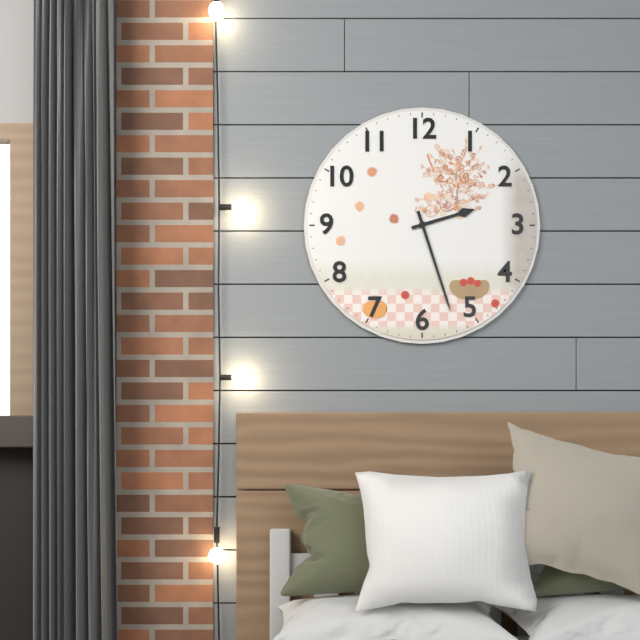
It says 2.27
